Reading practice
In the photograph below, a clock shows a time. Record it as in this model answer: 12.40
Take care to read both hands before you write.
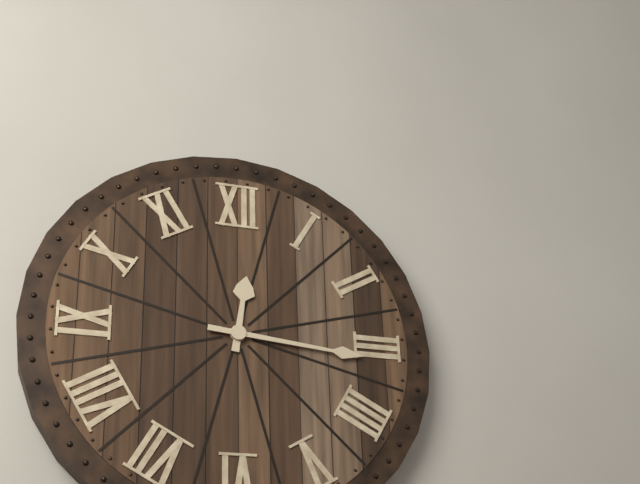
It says 12.16
